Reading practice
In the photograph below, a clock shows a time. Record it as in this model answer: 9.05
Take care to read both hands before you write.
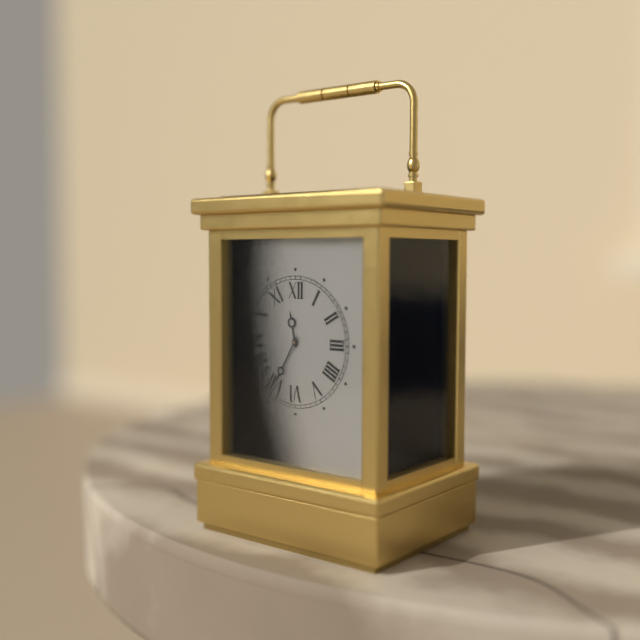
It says 11.35
